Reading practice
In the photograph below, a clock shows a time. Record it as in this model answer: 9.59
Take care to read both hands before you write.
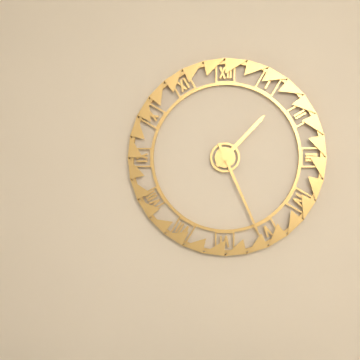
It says 1.26
